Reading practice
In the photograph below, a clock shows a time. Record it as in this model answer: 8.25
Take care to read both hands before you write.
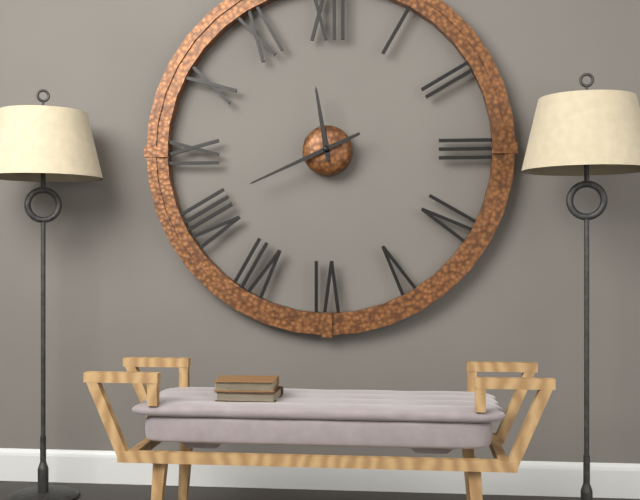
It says 11.41
